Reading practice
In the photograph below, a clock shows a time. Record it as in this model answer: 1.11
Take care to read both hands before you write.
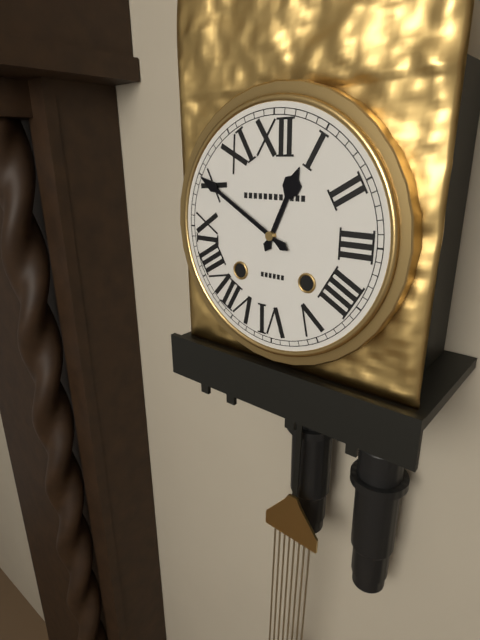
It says 12.50
